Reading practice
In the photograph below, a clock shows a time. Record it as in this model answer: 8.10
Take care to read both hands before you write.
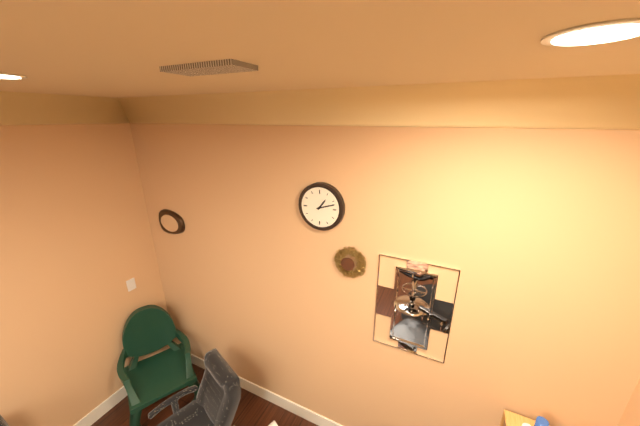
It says 1.12
